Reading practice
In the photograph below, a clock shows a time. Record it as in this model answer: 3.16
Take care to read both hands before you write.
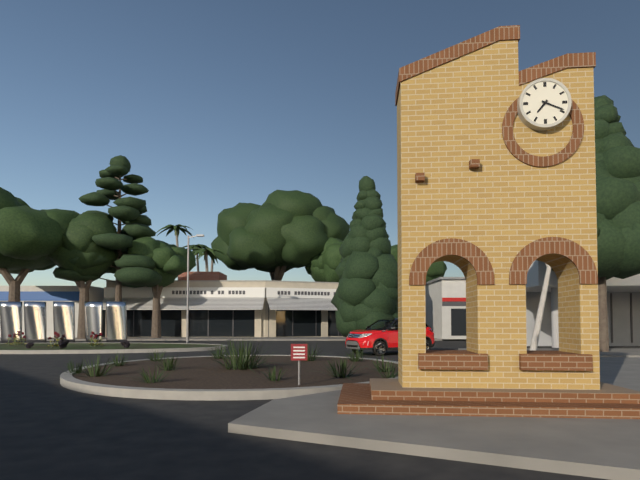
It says 7.19
